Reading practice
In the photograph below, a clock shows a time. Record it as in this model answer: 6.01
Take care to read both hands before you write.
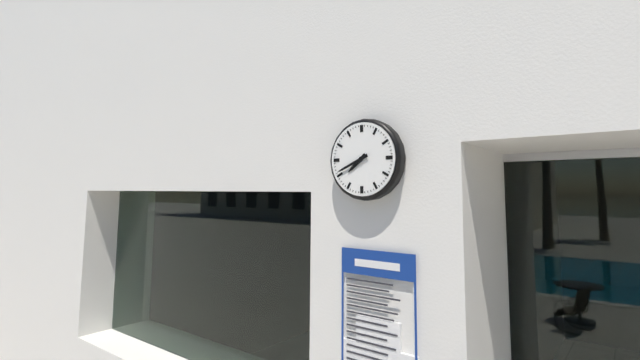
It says 7.41
